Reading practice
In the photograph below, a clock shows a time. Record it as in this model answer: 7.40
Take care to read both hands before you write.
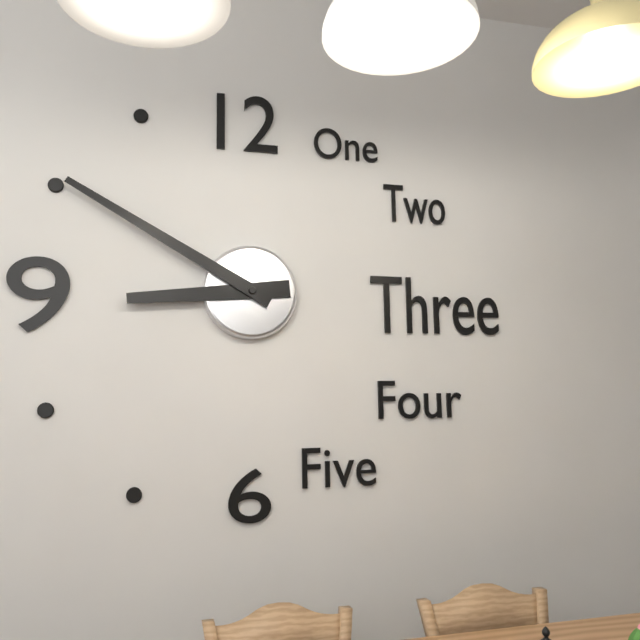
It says 8.50
